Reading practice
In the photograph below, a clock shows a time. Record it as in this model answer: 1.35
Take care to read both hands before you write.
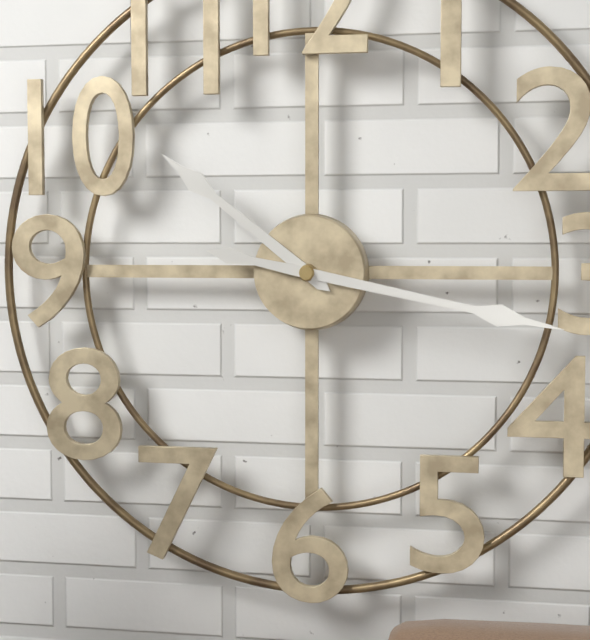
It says 10.17
